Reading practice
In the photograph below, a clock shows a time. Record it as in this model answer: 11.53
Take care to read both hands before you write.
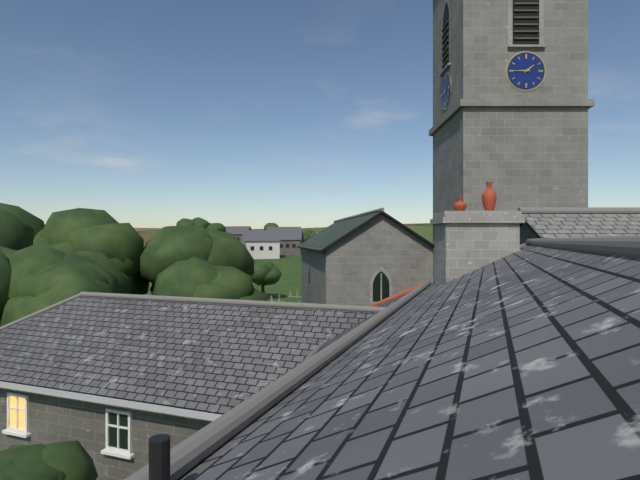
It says 1.45
